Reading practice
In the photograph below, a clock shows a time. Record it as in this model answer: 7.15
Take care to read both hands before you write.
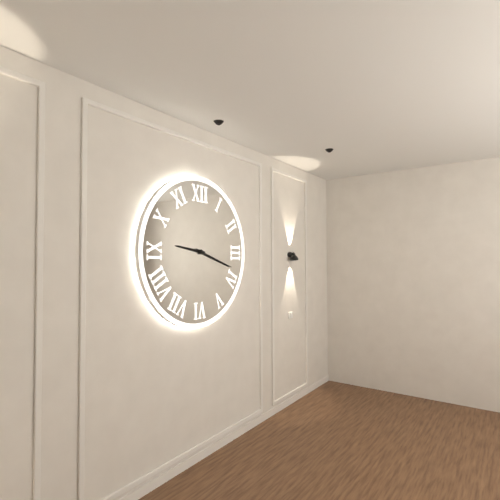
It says 9.18
